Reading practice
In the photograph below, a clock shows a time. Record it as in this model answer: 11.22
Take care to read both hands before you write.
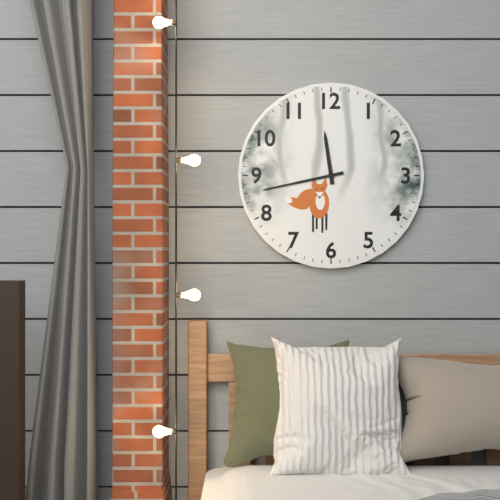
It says 11.43
